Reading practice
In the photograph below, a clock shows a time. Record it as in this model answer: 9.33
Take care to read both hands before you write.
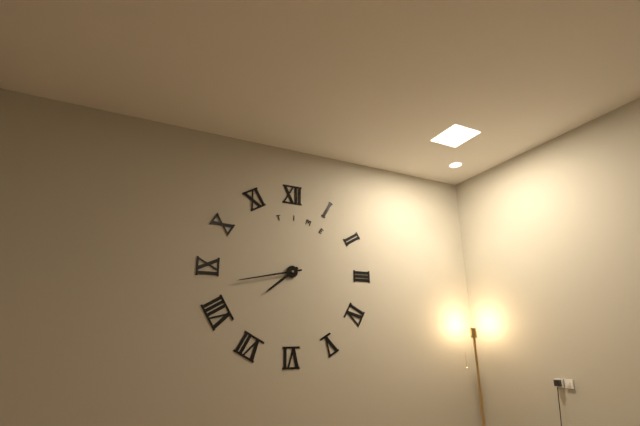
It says 7.43
